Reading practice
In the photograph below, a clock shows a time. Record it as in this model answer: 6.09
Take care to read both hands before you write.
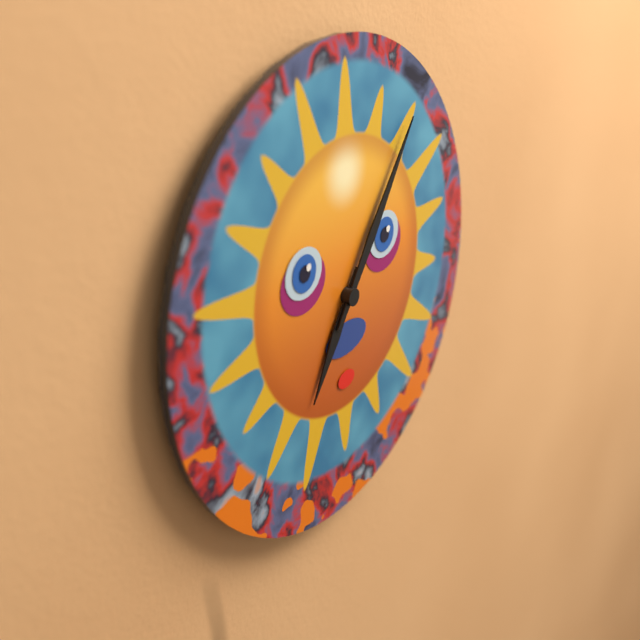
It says 7.06
